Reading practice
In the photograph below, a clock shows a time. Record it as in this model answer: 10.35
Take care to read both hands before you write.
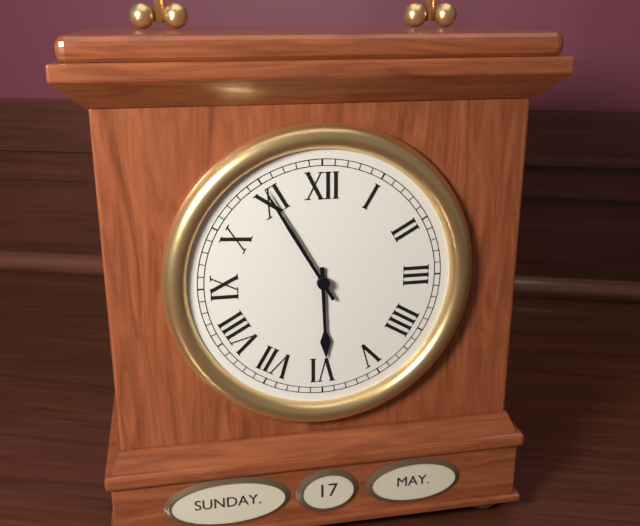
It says 5.55
